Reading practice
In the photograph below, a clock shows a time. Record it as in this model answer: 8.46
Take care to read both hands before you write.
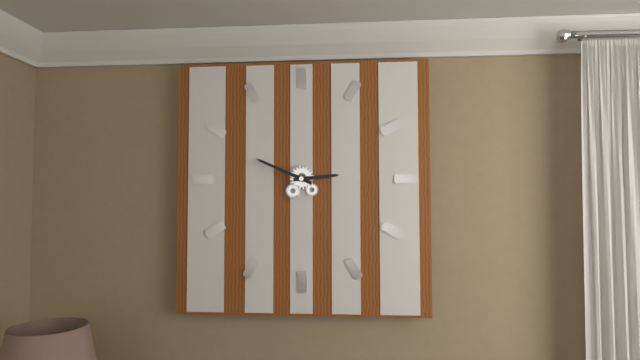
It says 2.49
